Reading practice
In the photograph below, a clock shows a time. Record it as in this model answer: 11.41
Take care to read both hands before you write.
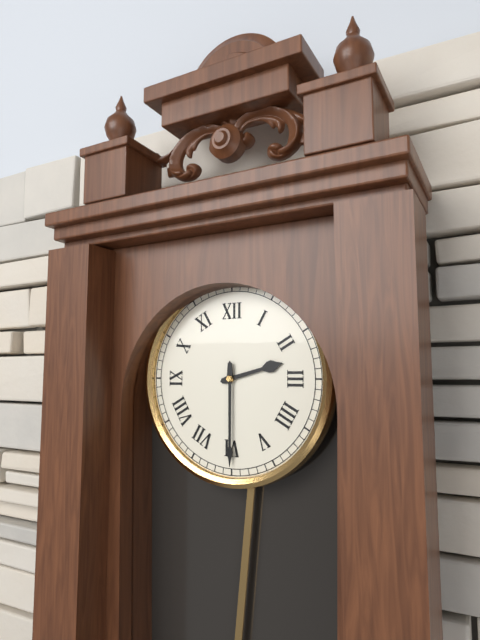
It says 2.30
